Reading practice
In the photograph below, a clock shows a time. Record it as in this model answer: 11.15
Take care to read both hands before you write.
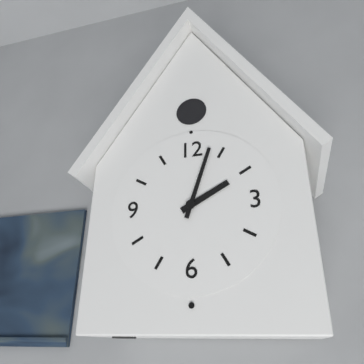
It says 2.03
